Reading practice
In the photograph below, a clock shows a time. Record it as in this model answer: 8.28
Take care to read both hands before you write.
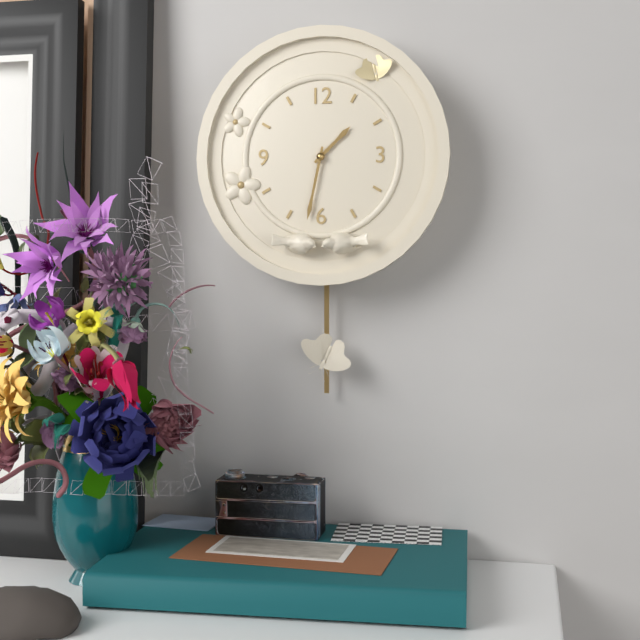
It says 1.32
